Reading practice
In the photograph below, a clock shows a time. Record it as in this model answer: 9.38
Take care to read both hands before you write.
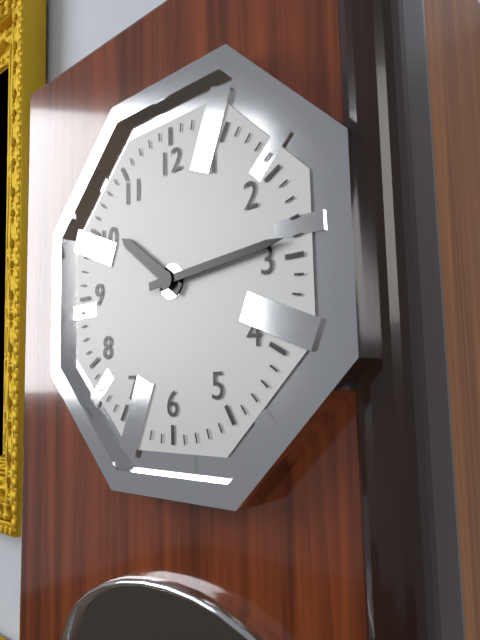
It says 10.14
